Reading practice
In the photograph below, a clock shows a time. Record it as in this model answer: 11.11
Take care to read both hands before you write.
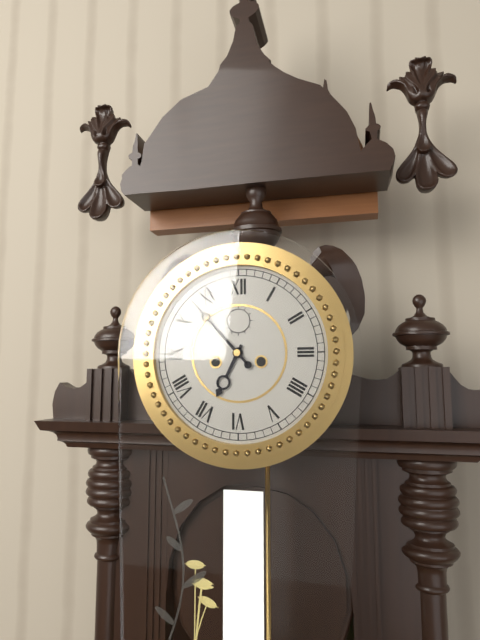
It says 6.53
